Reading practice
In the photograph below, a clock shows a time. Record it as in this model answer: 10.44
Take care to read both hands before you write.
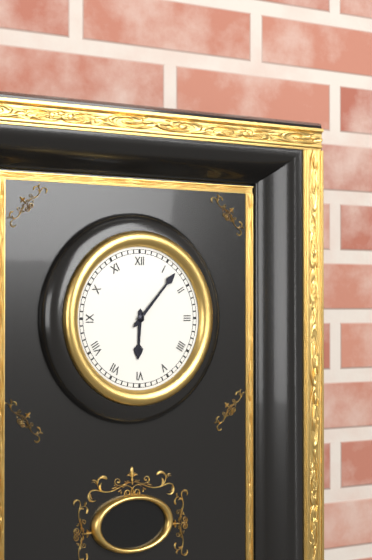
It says 6.07
